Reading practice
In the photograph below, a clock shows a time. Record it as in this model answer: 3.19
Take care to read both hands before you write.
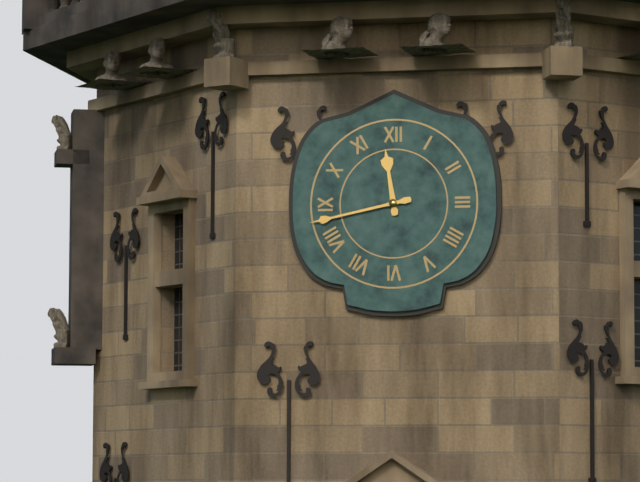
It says 11.43
